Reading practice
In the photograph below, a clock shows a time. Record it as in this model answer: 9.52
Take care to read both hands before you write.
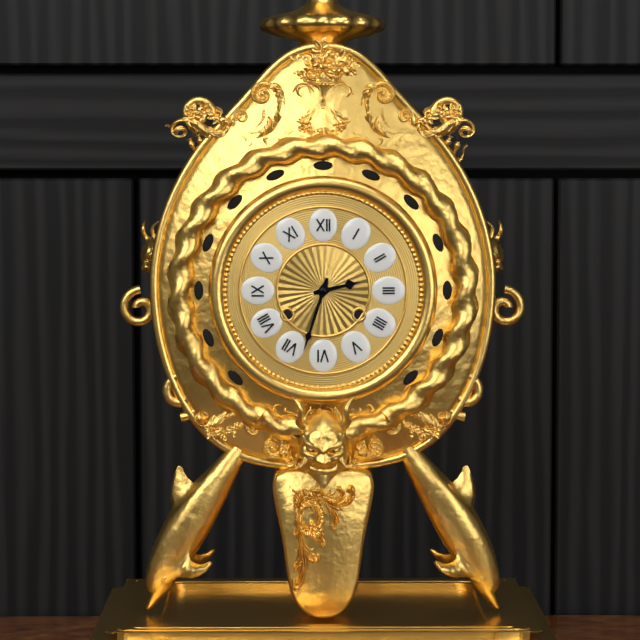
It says 2.33
